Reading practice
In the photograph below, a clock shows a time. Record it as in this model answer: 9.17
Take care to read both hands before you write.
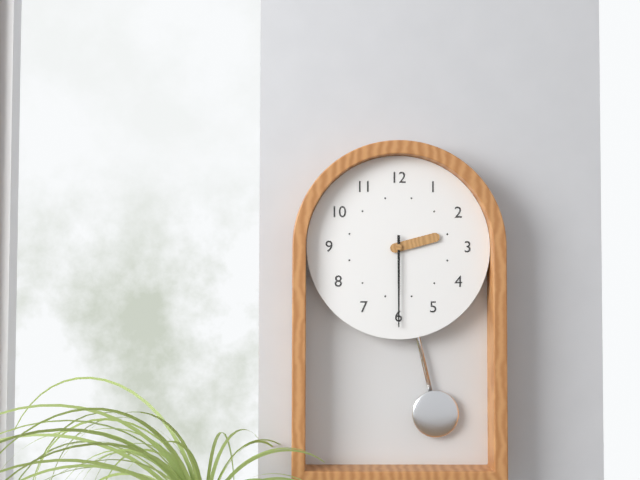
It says 2.30
